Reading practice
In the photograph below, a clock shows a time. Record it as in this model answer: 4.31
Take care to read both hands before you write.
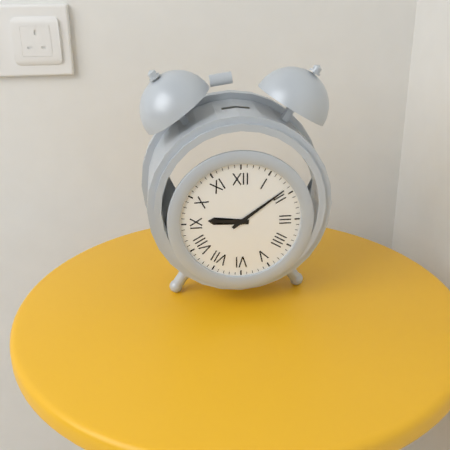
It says 9.09
